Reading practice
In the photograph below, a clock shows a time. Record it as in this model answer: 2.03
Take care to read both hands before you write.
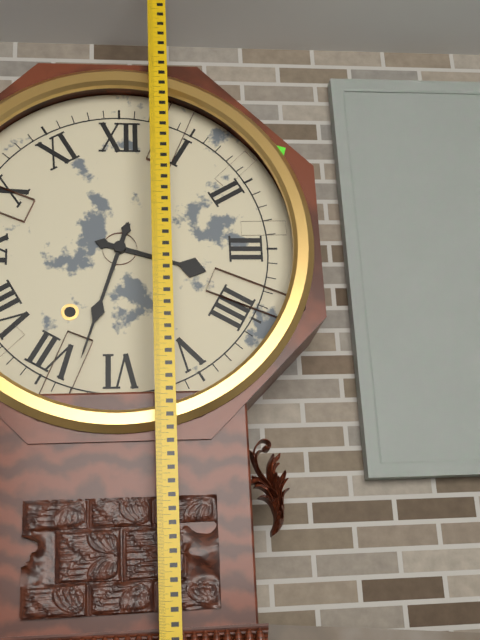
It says 3.33
